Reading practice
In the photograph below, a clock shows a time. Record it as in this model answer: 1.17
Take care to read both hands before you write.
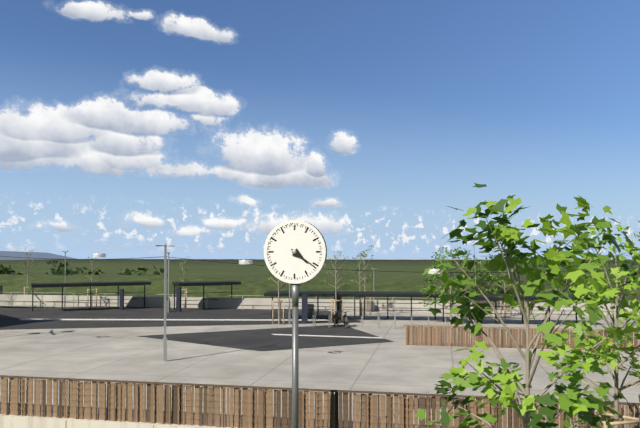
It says 4.21
